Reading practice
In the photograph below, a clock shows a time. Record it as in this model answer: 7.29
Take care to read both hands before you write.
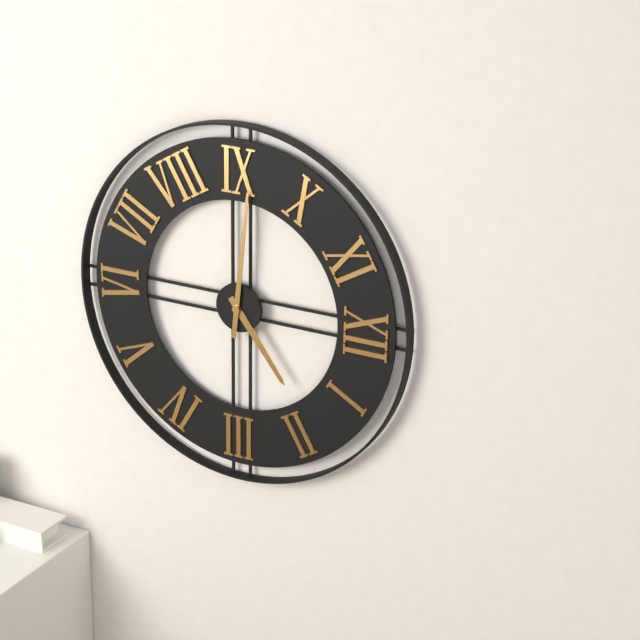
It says 1.46
